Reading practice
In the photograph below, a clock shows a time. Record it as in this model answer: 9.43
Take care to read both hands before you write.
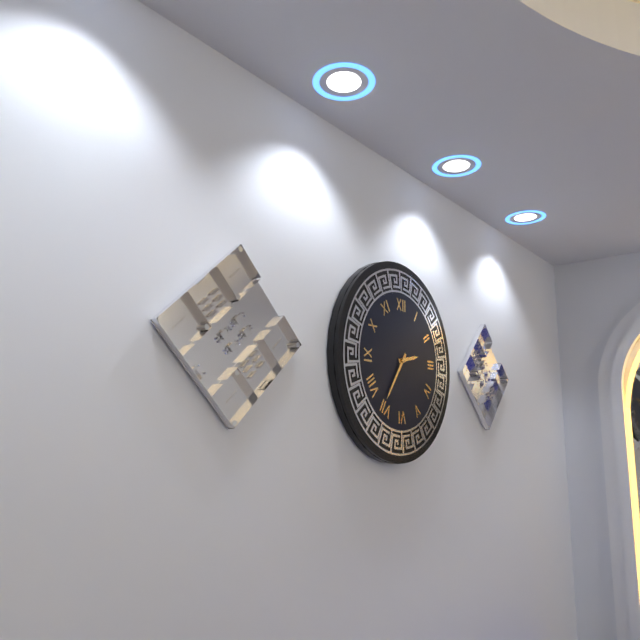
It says 2.36
